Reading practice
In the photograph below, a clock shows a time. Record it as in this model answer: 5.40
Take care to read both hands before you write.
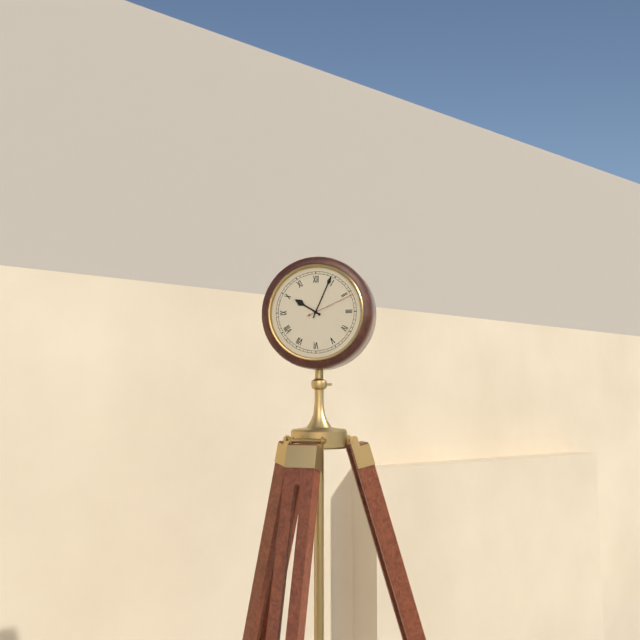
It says 10.04
